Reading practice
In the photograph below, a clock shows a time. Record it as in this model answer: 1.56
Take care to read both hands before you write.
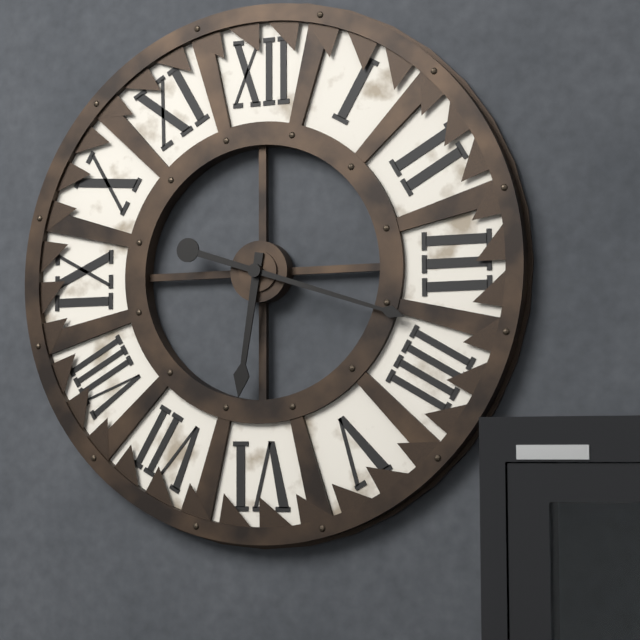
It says 6.18
